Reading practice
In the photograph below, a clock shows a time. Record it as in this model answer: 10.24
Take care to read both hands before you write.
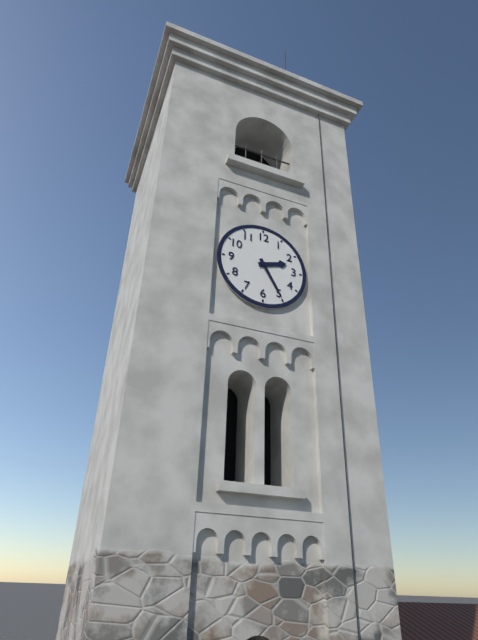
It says 2.25
